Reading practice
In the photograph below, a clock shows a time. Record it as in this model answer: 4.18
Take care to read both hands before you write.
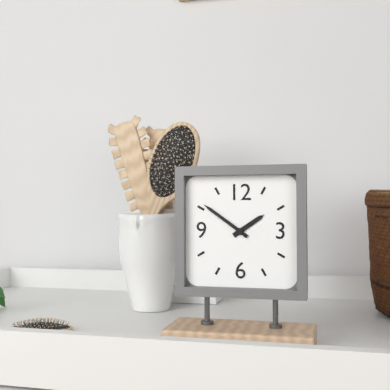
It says 1.51
